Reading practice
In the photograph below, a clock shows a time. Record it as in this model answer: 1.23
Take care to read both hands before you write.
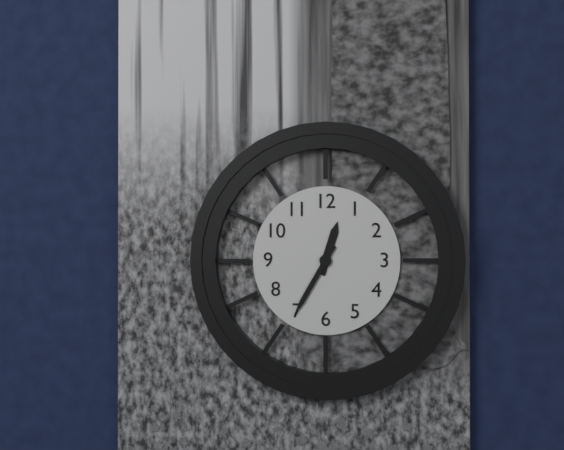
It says 12.35
